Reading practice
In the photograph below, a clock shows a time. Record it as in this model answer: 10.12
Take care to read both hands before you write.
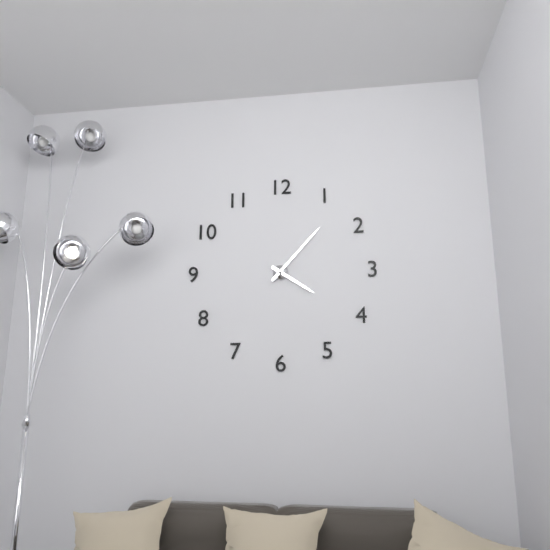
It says 4.07
